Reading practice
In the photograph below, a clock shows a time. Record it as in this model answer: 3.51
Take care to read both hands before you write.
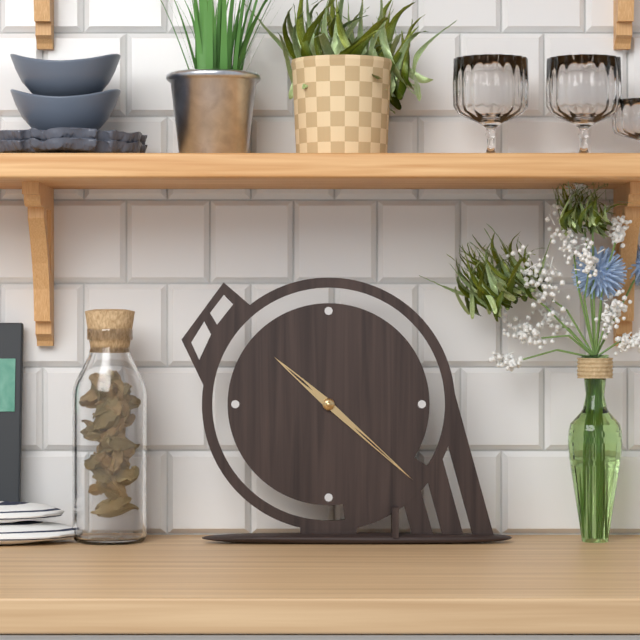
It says 10.22
